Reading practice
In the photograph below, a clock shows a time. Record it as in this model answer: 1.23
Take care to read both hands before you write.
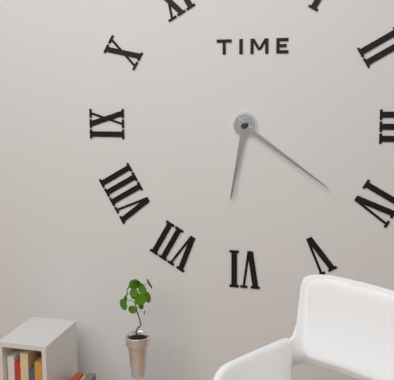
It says 6.21
